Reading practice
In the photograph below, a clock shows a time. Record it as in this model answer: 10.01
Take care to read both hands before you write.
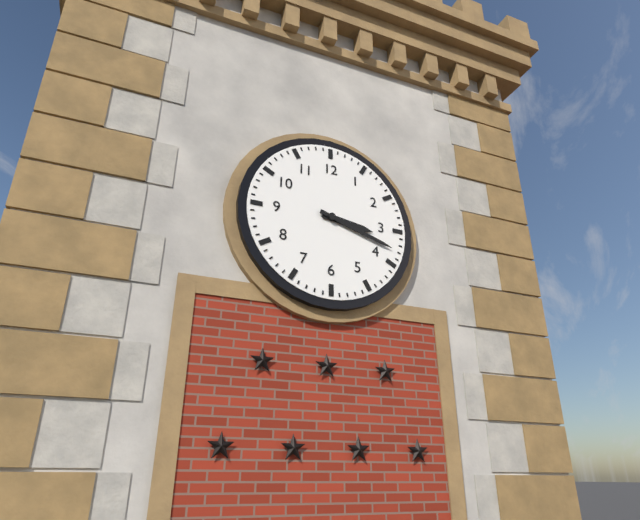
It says 3.18
